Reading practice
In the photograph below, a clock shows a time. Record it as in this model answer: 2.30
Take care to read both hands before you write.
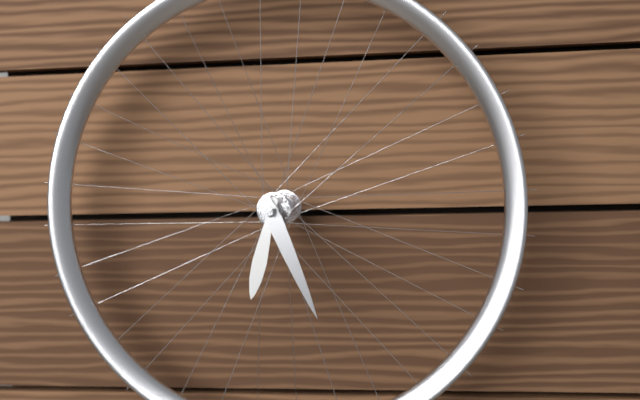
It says 6.26
